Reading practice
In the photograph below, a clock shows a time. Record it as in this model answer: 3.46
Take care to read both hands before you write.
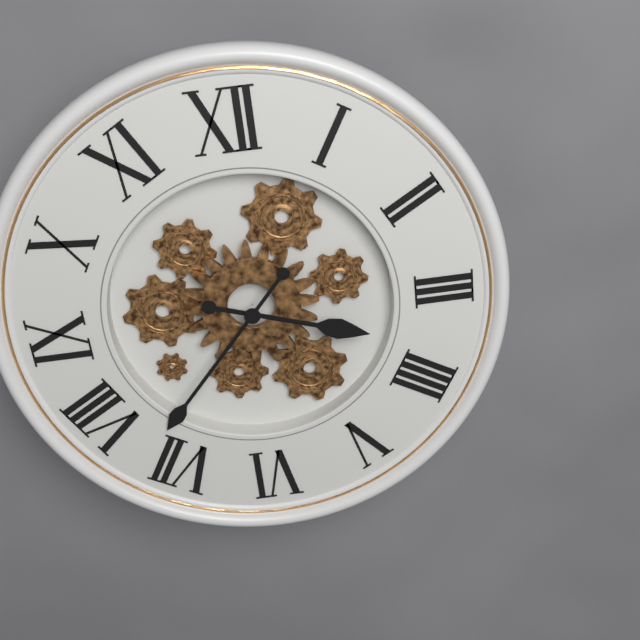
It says 3.37
